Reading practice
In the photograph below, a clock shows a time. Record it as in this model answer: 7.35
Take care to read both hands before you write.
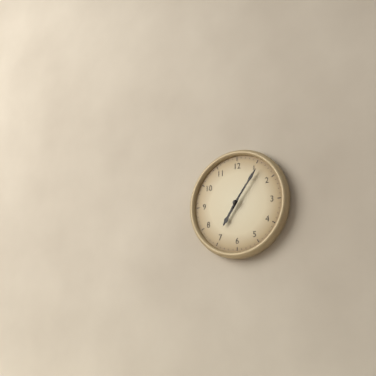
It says 7.06
